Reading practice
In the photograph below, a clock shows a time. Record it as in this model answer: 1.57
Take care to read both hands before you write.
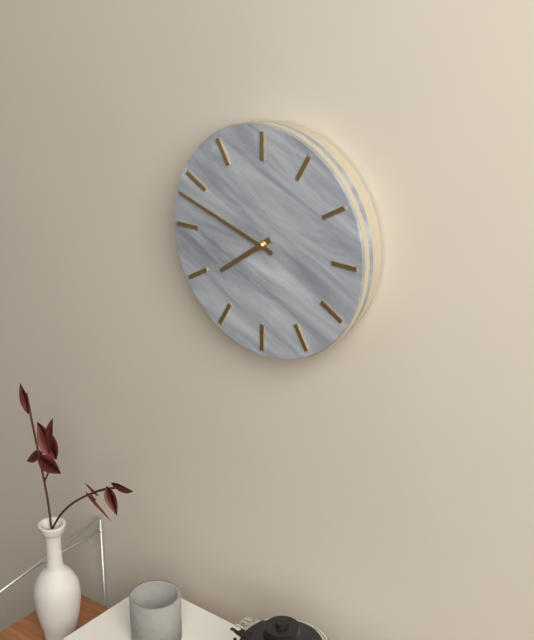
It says 7.48
